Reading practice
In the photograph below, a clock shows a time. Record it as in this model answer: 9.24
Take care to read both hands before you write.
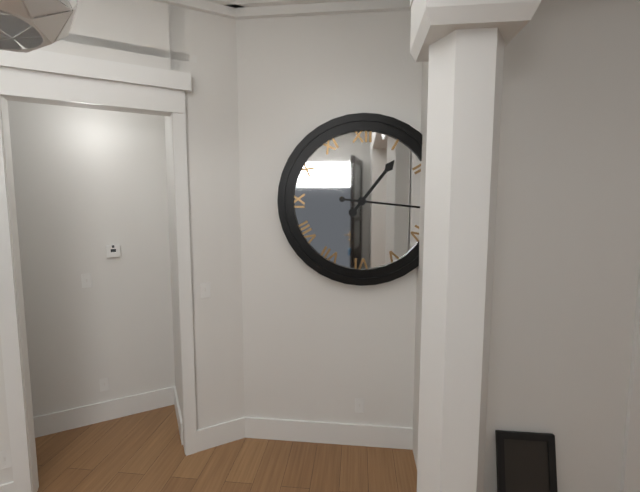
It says 1.16
